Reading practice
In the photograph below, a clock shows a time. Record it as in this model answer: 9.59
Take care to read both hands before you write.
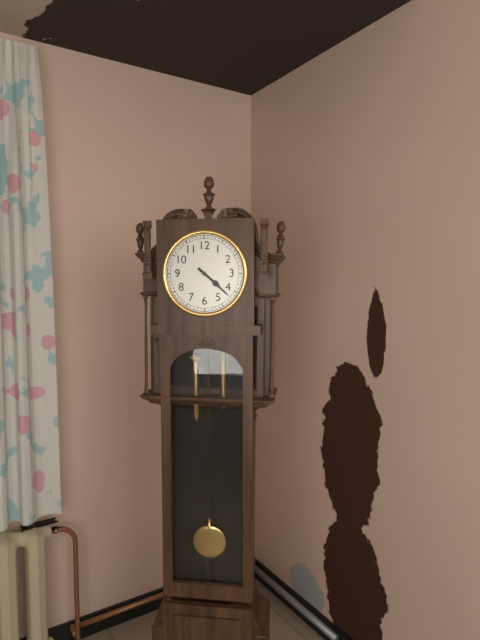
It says 4.22
